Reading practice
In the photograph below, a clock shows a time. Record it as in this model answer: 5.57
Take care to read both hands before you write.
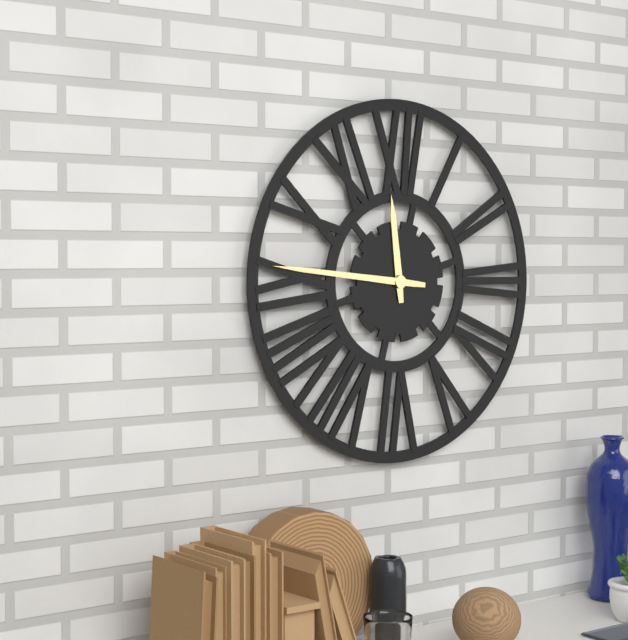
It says 11.46
